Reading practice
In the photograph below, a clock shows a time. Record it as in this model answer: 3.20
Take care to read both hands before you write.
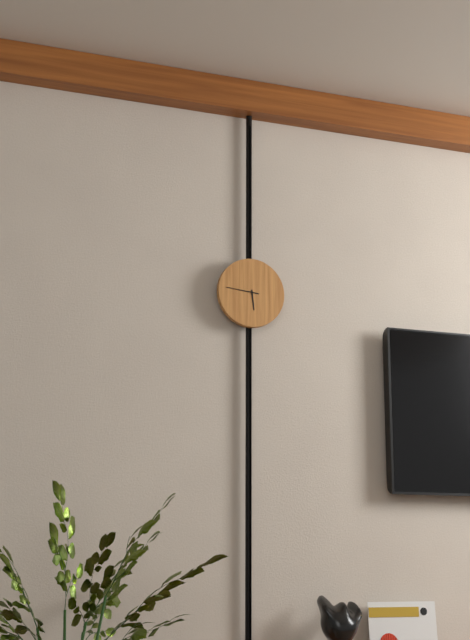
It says 5.46
